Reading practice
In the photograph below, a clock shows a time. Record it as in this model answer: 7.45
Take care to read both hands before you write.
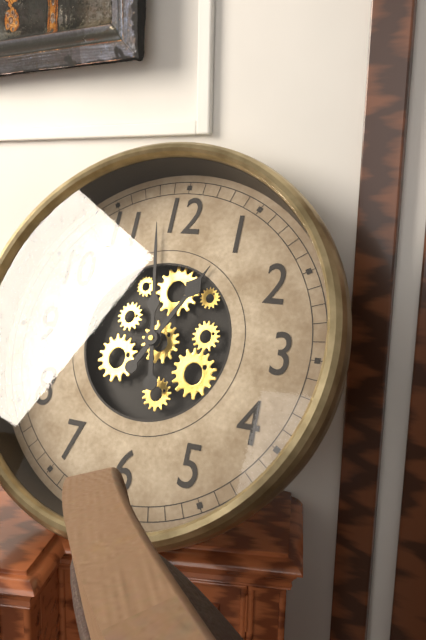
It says 12.58
